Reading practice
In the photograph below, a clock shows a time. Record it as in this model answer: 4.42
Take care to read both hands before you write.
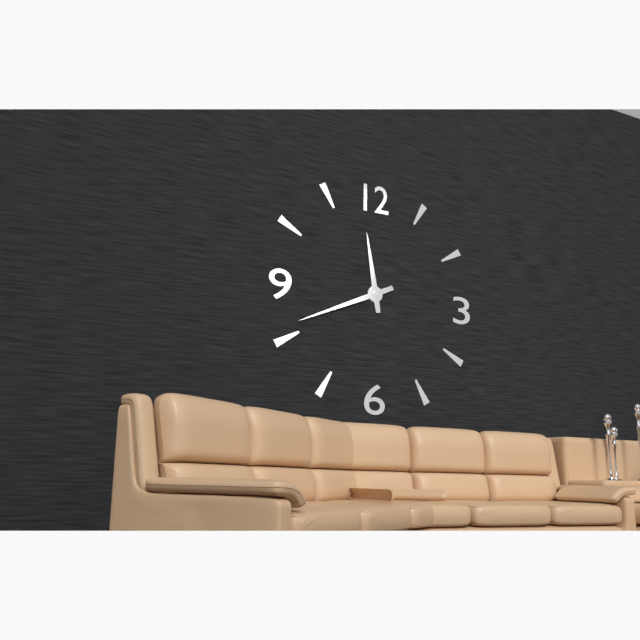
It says 11.41
